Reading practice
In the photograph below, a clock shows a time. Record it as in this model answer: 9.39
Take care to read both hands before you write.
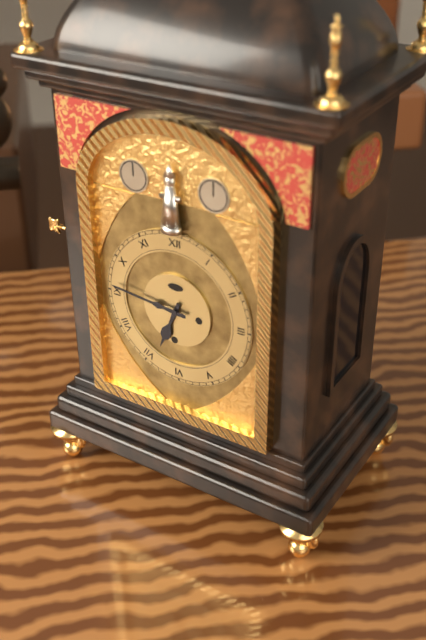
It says 6.46
